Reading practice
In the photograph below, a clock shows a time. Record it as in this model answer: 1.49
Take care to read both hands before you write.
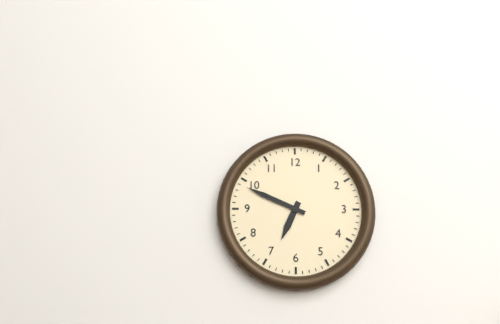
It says 6.49
